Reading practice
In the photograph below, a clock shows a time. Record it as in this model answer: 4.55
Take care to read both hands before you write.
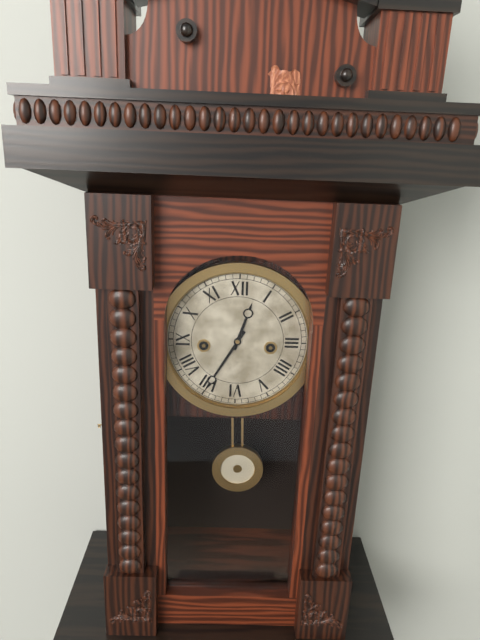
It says 12.35
